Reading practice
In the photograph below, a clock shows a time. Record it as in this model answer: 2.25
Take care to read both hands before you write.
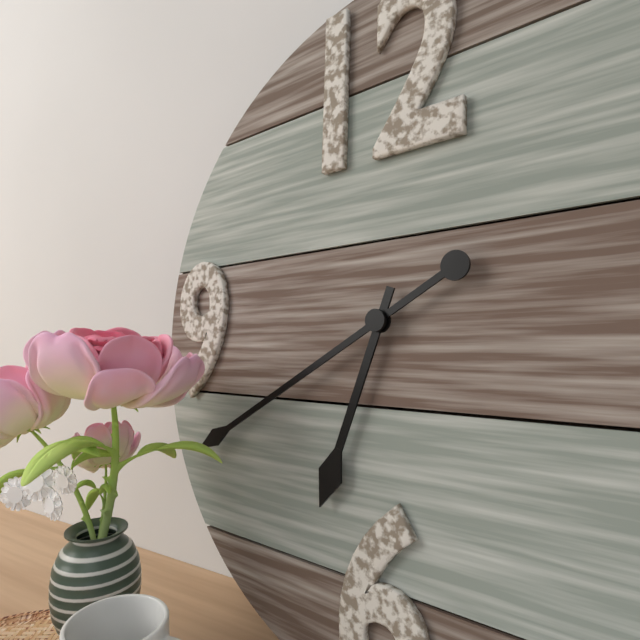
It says 6.40
